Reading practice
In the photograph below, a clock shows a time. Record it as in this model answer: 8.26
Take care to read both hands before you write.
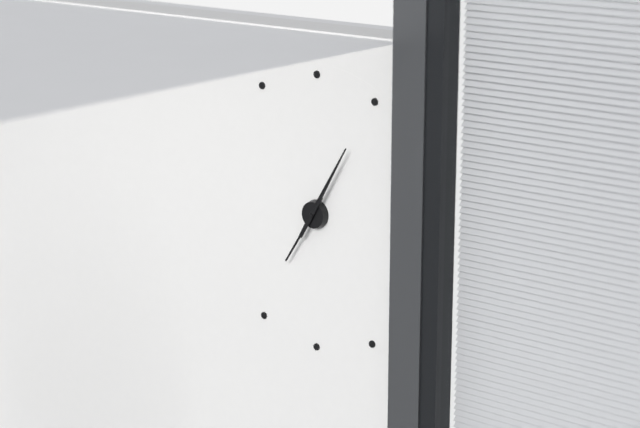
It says 7.05
